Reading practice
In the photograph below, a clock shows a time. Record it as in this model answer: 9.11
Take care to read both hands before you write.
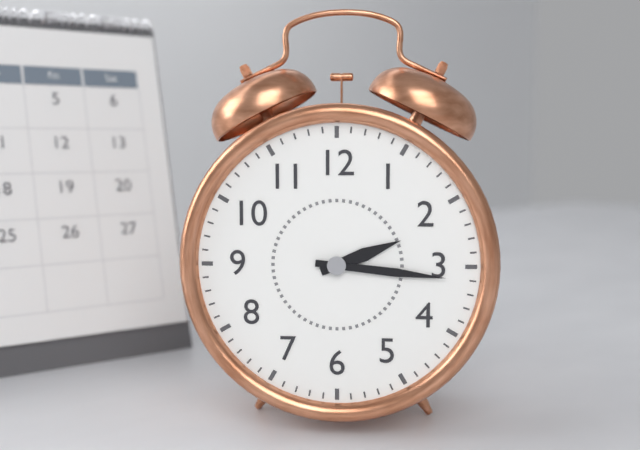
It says 2.16
